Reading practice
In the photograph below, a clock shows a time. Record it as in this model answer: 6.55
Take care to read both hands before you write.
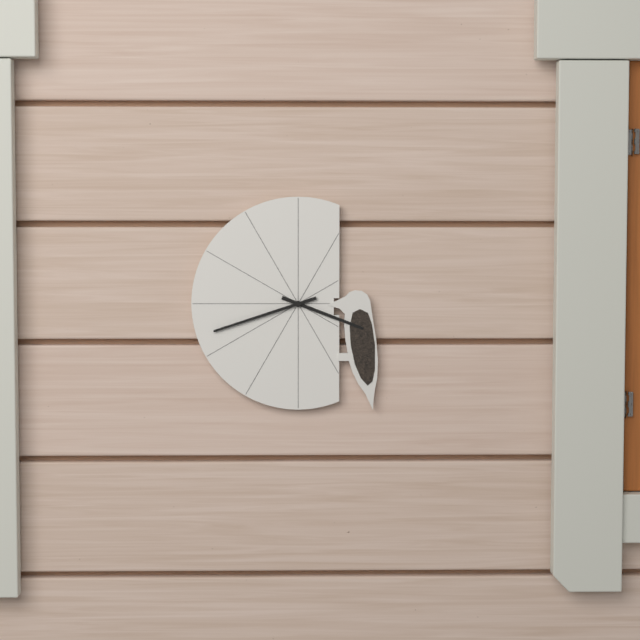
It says 3.42
